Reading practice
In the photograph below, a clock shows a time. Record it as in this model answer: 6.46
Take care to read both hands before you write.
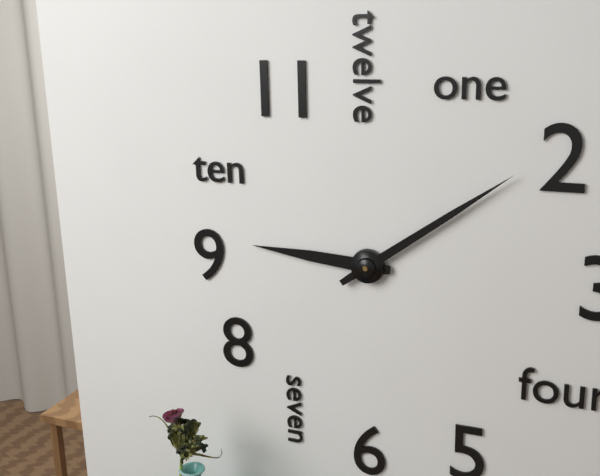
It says 9.09
